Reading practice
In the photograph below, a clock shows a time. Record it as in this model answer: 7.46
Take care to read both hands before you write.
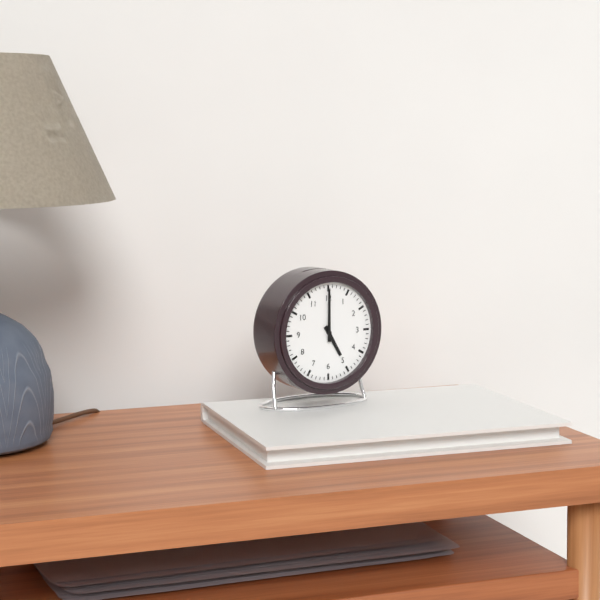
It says 5.00
